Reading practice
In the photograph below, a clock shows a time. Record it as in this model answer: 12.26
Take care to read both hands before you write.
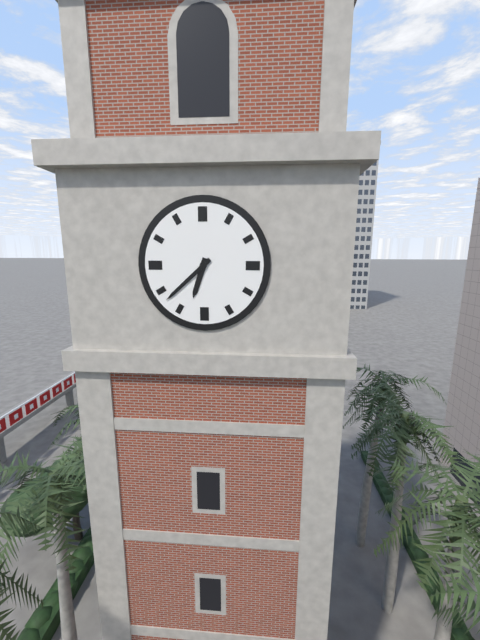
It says 6.38
